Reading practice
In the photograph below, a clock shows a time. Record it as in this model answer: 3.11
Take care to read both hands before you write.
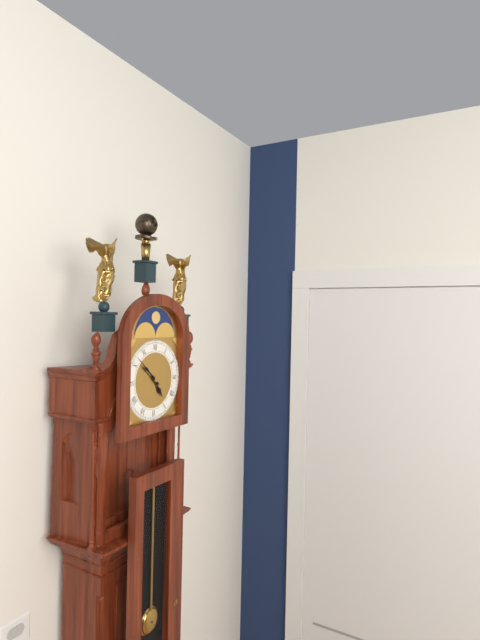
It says 4.52
